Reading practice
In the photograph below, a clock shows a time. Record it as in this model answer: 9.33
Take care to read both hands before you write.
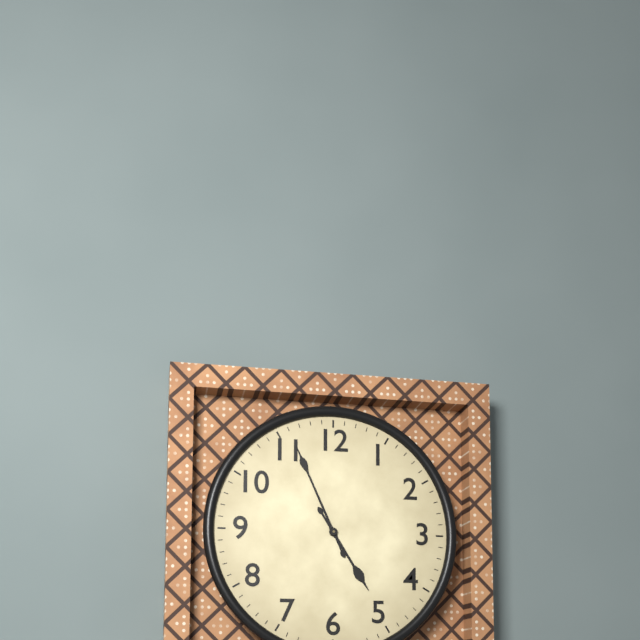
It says 4.56
